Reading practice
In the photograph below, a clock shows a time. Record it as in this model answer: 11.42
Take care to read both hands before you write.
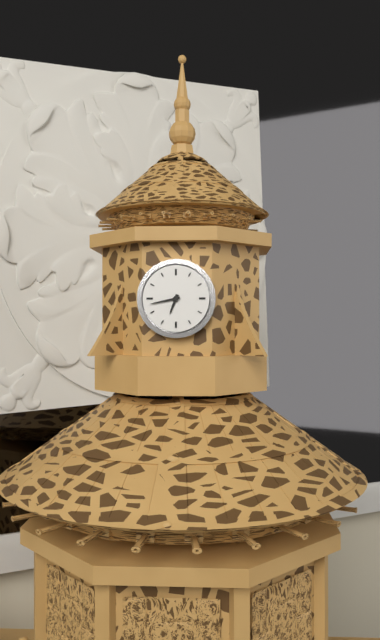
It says 6.43
